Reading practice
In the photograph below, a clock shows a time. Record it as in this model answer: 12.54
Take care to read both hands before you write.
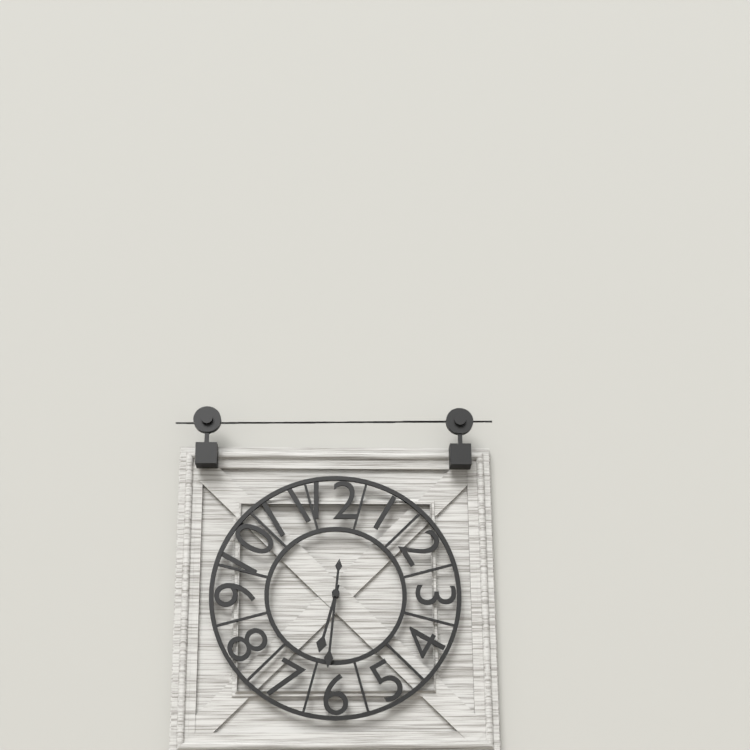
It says 6.31
